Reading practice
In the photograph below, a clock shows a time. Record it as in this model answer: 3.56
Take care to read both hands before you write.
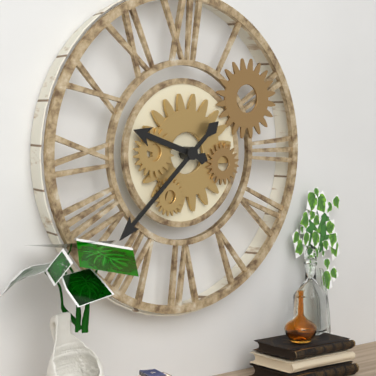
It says 9.38
